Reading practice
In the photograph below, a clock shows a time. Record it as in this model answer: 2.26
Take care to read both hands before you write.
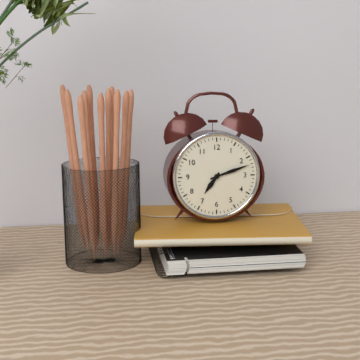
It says 7.12
